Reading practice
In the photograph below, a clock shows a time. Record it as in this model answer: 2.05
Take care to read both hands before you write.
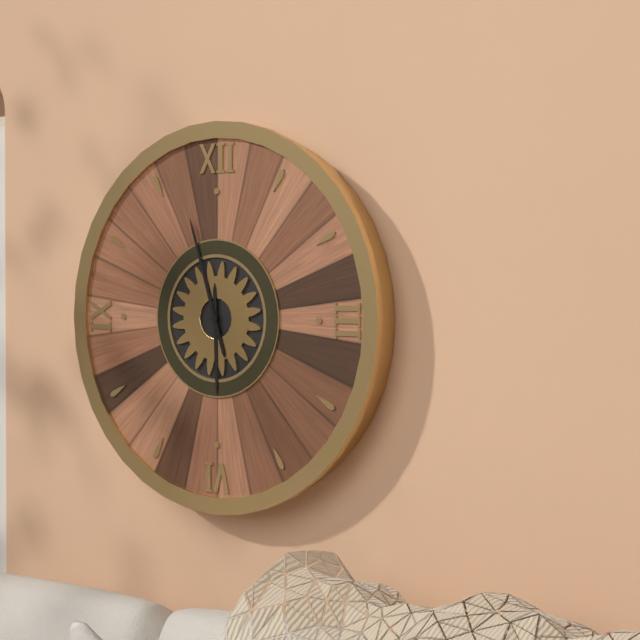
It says 5.57
